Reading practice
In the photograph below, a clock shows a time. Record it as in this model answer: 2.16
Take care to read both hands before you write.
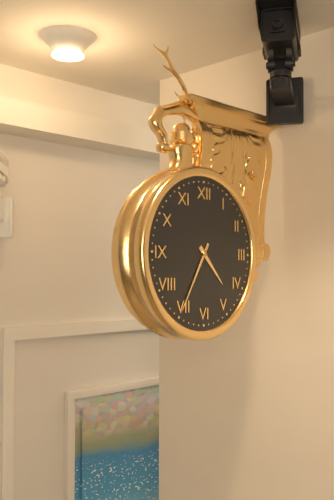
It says 4.35
